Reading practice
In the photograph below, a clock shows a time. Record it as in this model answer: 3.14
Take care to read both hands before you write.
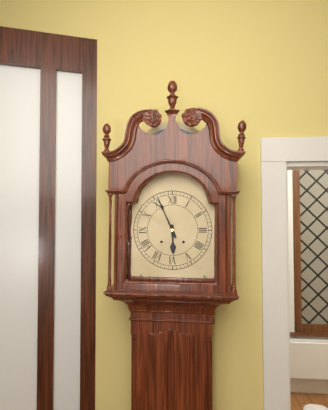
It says 5.56
